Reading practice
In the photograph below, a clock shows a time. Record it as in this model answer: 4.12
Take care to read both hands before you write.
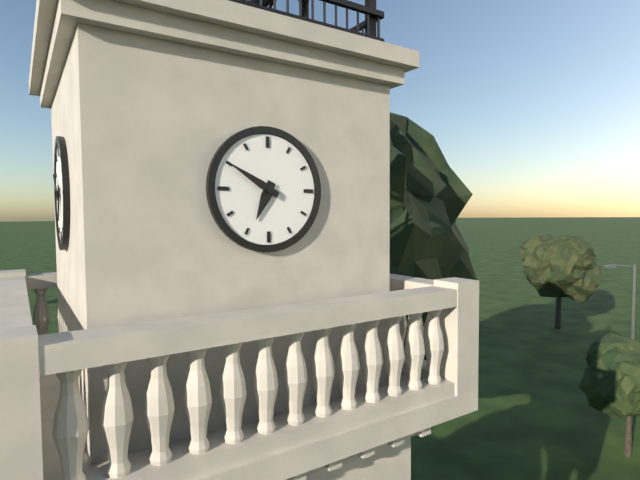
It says 6.50
